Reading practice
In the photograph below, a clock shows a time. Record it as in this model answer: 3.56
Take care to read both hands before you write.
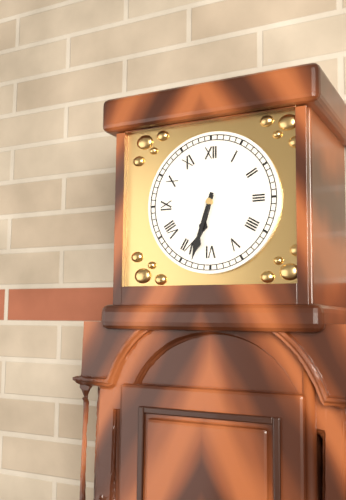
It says 6.33
